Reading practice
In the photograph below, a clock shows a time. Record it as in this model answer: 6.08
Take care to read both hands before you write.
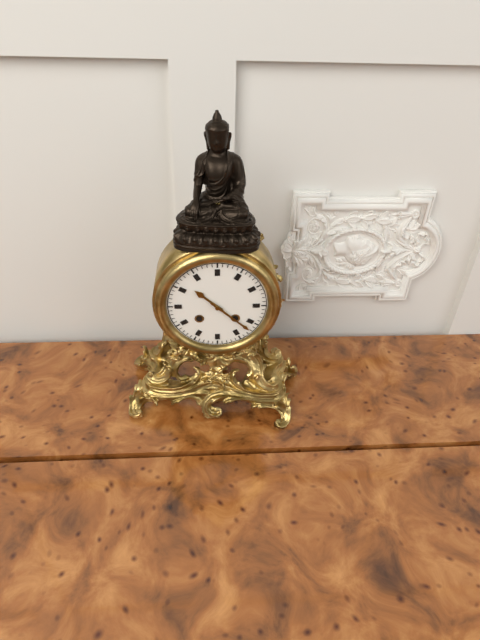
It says 10.22
